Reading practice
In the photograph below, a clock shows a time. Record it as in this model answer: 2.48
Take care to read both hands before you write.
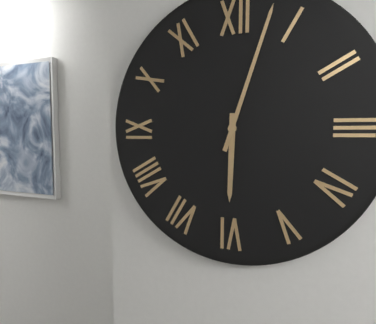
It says 6.03
